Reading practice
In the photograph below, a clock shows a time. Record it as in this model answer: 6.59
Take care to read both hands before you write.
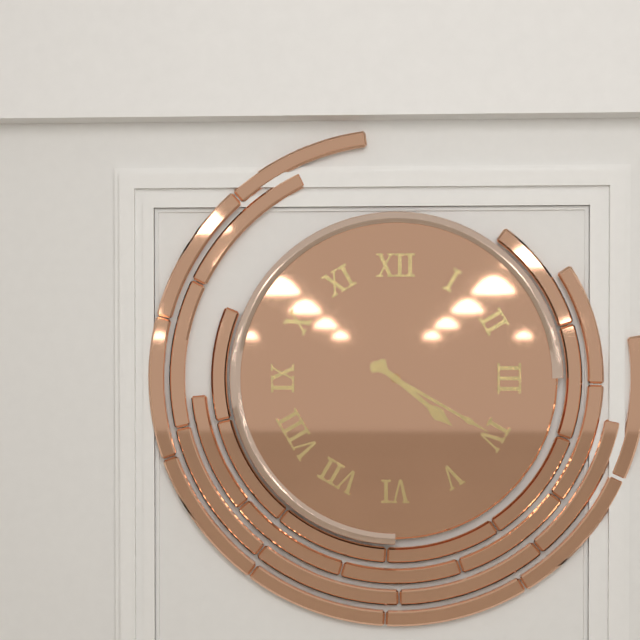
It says 4.20
